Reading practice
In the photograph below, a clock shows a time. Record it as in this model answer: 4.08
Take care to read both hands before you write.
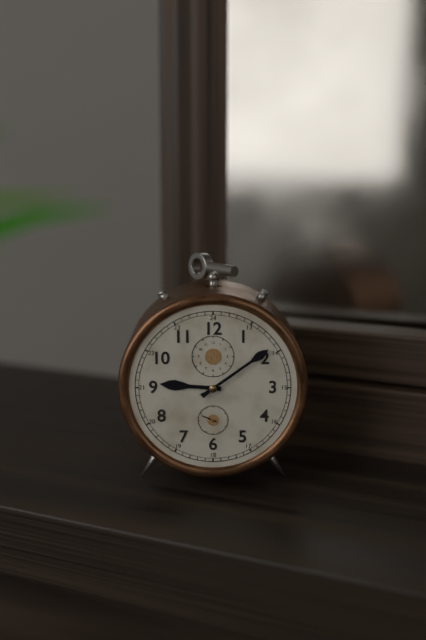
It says 9.09
